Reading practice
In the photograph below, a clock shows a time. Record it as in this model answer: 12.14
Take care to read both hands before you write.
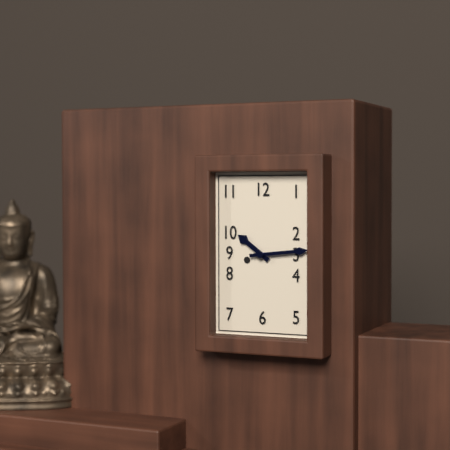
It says 10.14
